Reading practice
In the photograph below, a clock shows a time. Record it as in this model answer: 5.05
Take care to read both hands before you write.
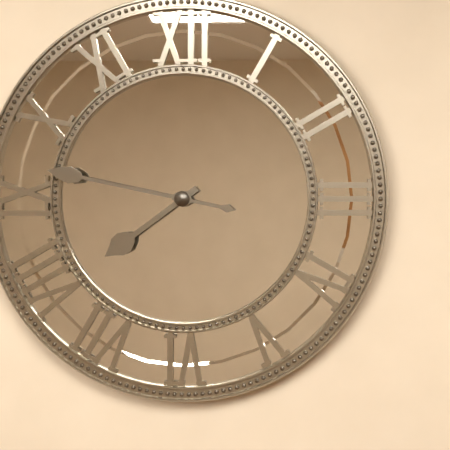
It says 7.47
